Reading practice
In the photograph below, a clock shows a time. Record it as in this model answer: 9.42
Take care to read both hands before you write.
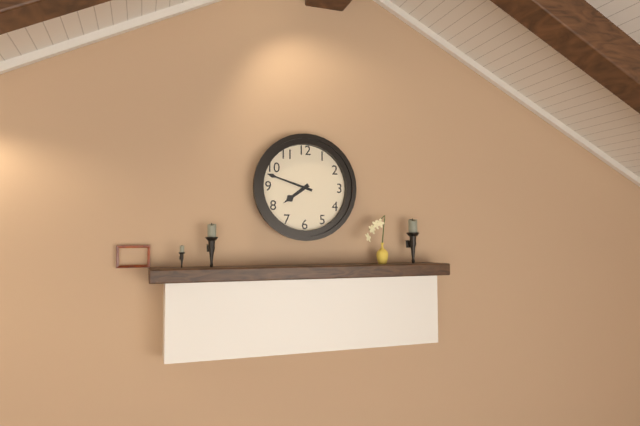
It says 7.48
